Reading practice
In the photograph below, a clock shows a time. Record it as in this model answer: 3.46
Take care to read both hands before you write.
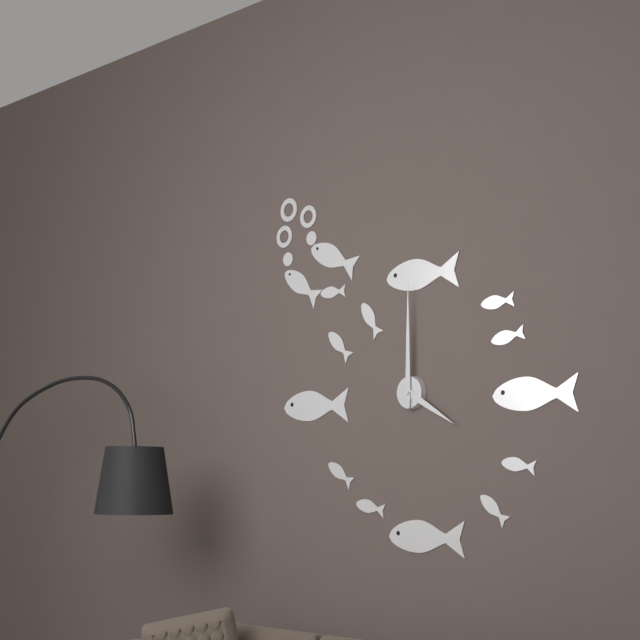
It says 4.00
